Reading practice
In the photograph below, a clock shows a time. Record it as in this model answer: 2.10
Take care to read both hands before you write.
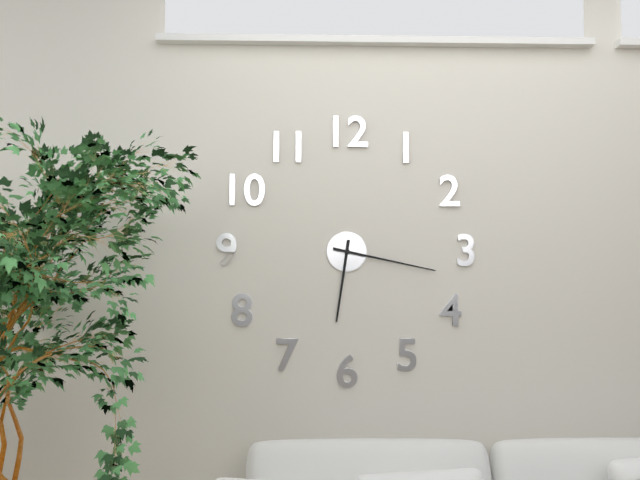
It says 6.17
